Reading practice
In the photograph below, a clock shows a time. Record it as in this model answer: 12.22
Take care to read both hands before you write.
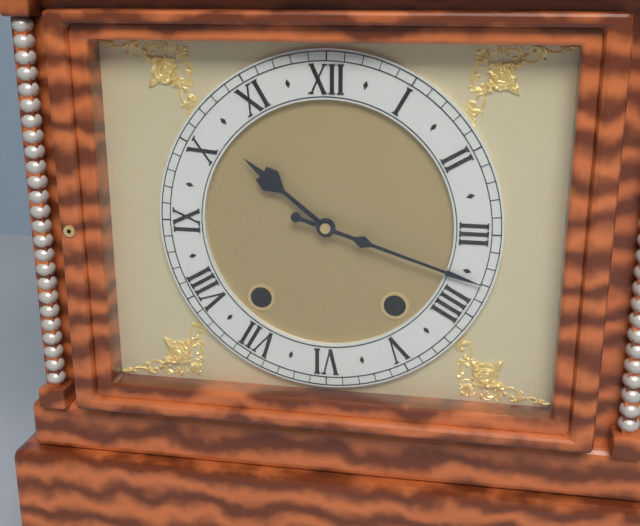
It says 10.18
